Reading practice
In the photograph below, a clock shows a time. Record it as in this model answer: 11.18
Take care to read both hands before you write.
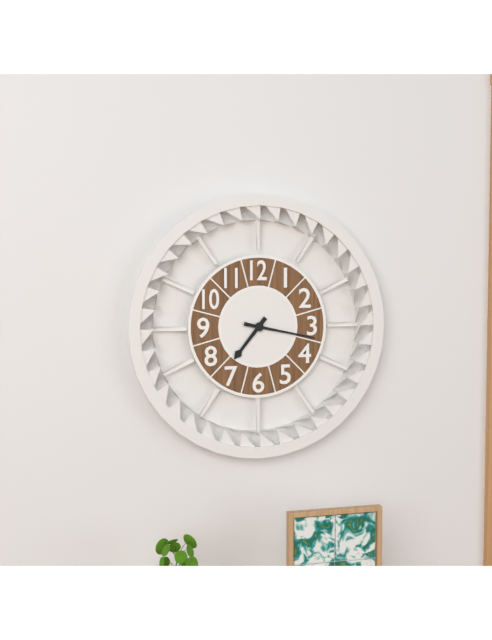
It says 7.17
